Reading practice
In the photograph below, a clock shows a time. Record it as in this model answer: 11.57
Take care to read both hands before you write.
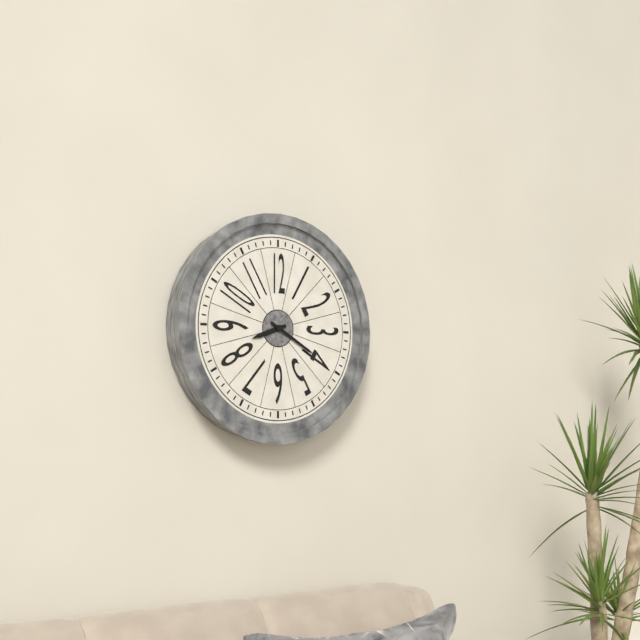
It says 8.20
